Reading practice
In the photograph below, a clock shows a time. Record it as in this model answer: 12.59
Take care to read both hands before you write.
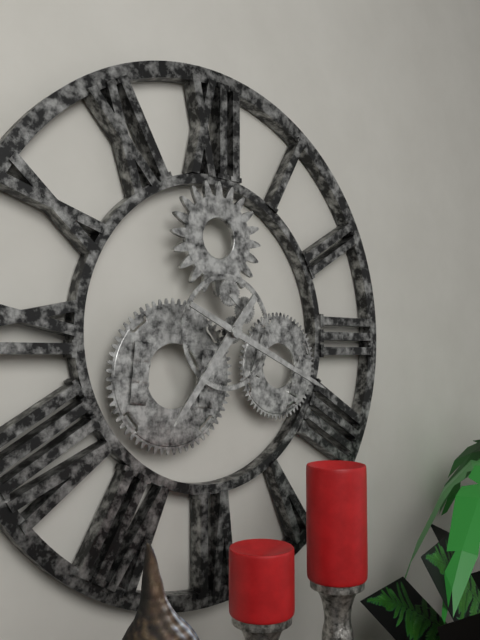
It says 7.19
